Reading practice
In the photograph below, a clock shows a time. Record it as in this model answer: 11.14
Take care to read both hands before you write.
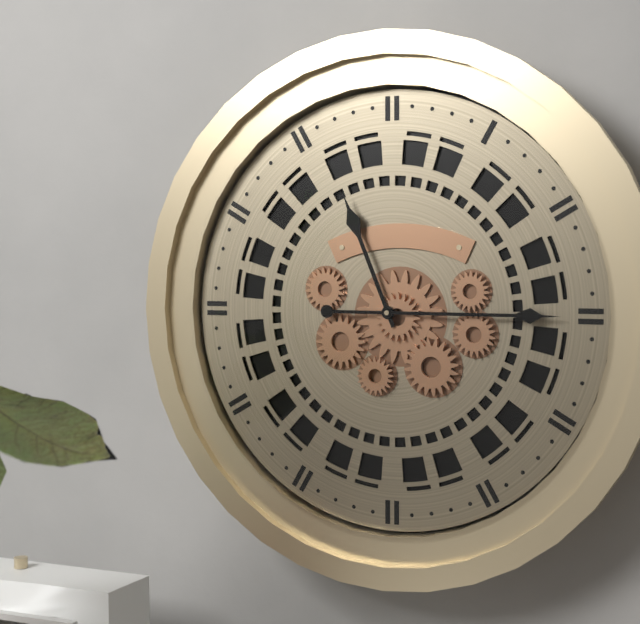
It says 11.15
